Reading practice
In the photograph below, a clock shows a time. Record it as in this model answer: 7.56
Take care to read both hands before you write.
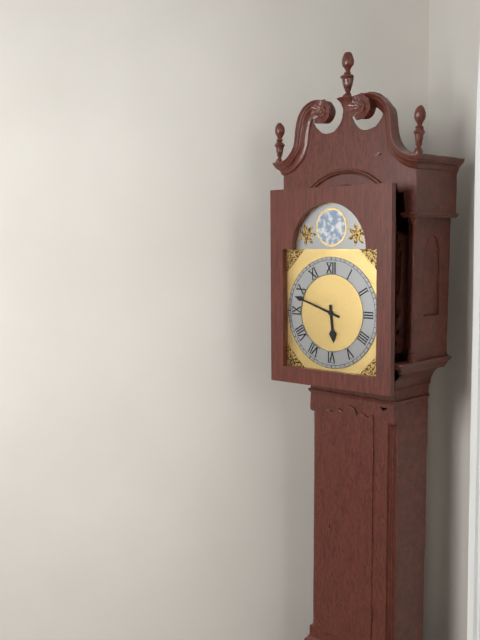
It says 5.48
